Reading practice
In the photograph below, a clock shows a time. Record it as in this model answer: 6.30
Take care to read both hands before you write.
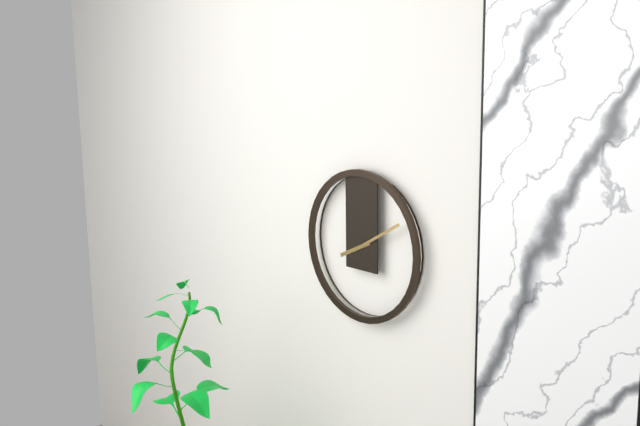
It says 8.10
